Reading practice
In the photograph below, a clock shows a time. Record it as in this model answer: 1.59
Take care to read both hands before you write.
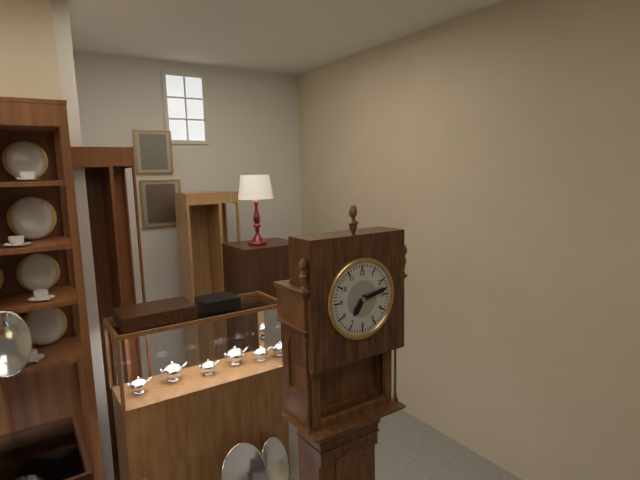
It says 7.13
